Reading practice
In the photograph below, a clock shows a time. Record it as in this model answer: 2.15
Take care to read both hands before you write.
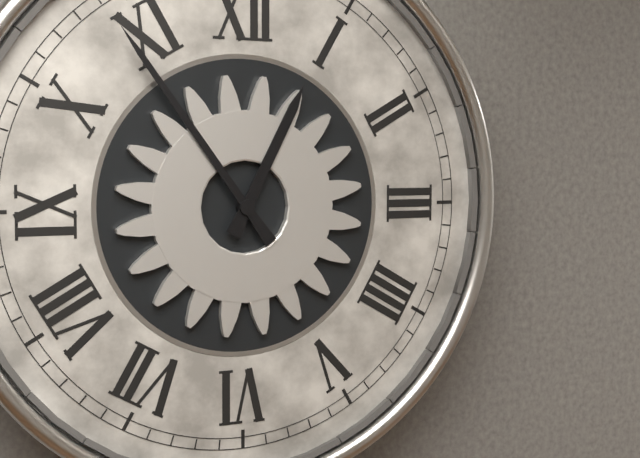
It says 12.54
